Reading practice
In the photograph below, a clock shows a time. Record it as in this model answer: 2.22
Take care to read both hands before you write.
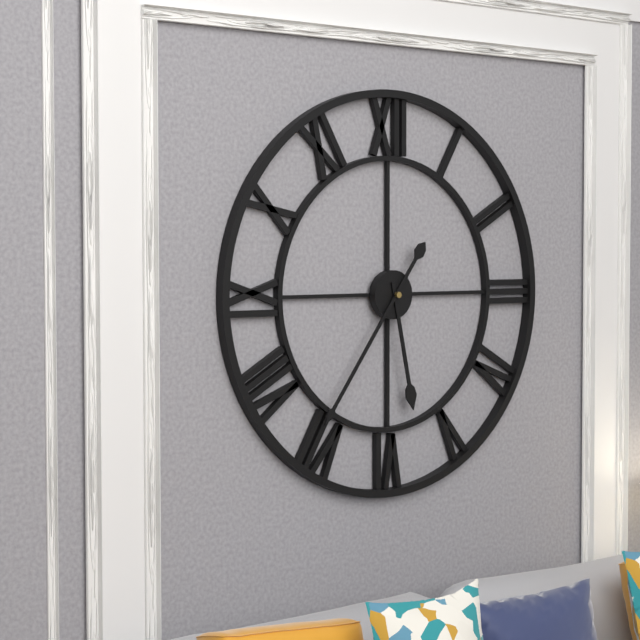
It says 5.36
